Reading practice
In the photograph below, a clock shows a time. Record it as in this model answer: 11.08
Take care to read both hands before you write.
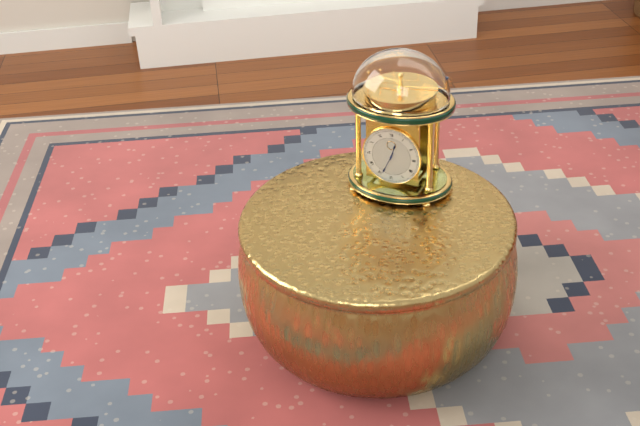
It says 12.34
